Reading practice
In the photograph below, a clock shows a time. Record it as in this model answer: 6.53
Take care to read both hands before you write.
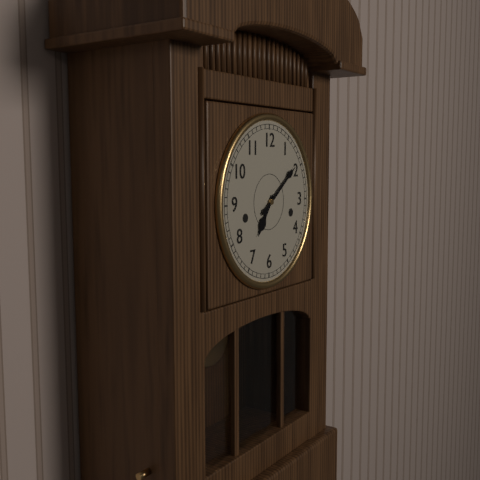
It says 7.09
